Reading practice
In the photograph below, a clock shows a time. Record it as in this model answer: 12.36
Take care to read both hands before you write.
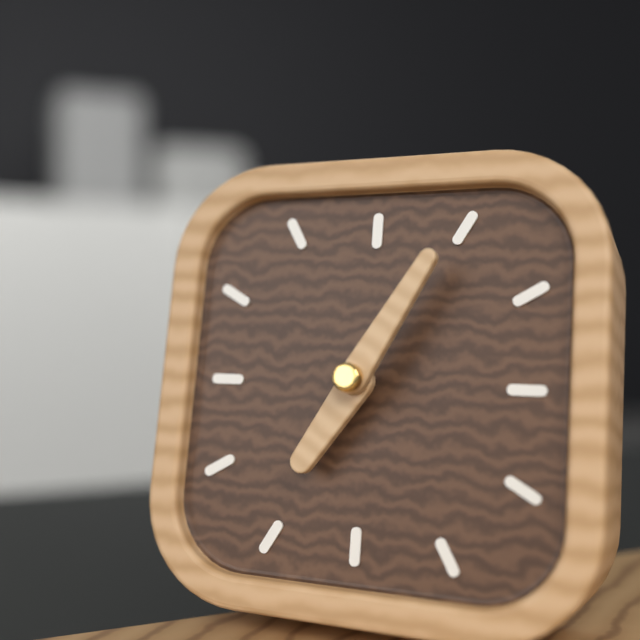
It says 7.05
